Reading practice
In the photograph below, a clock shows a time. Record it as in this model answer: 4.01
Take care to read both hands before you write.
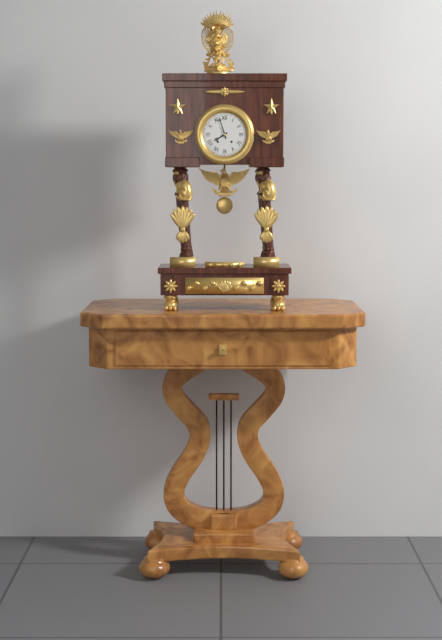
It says 7.57
